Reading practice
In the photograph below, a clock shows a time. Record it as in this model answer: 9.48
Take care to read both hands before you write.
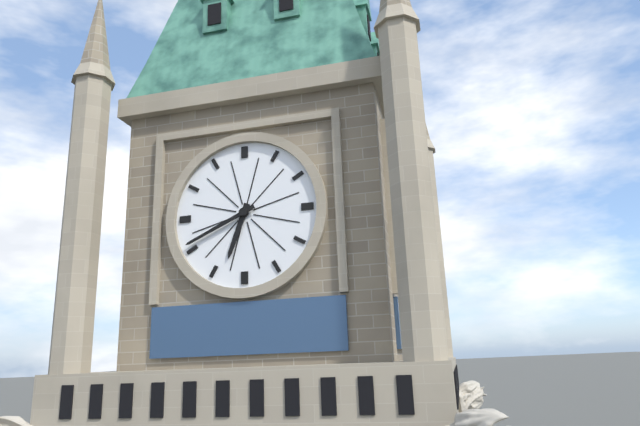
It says 6.41
